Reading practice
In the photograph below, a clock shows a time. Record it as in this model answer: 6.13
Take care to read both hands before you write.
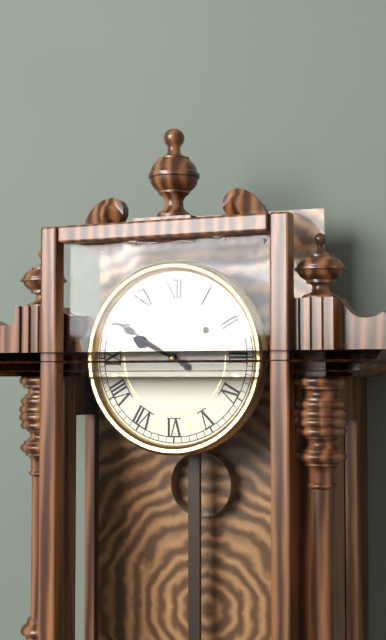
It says 9.50
